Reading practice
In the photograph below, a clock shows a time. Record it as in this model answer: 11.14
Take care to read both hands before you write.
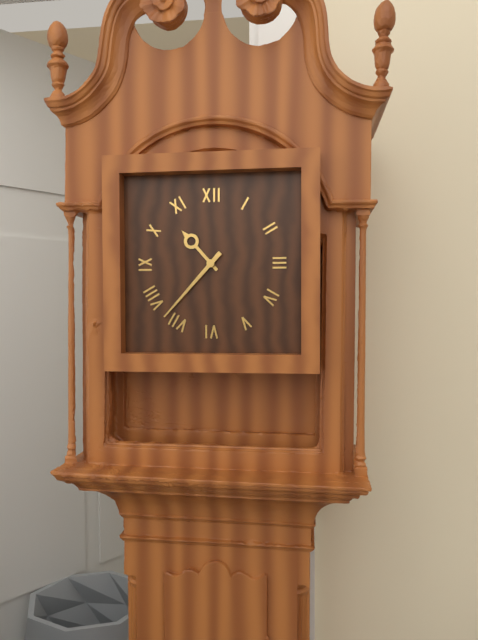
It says 10.37
